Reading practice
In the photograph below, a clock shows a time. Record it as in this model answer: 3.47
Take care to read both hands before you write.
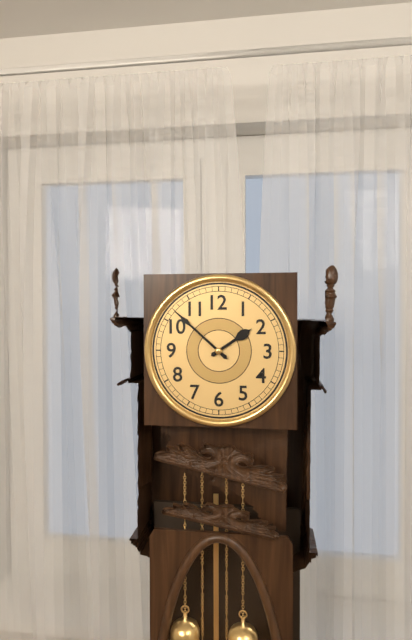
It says 1.52
